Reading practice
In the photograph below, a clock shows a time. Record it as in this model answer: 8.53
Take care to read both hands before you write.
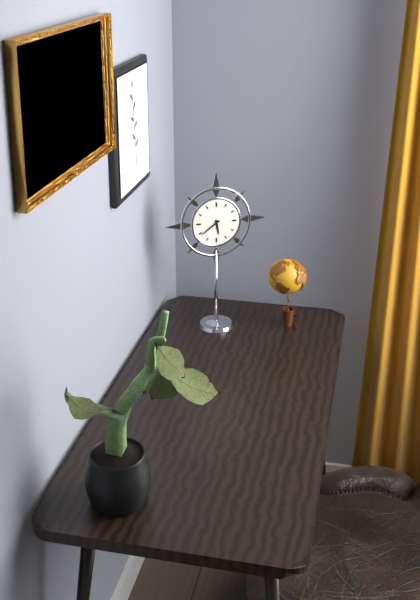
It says 5.39
